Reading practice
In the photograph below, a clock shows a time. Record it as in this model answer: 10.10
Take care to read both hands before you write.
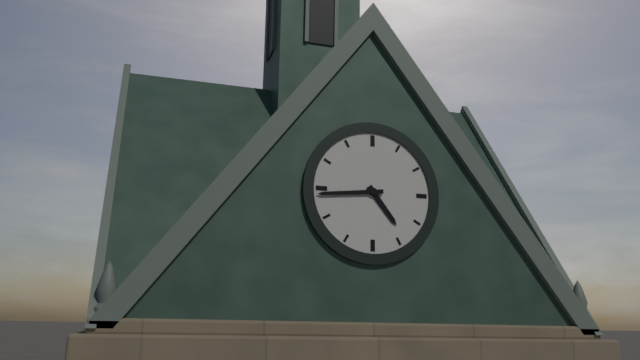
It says 4.44
